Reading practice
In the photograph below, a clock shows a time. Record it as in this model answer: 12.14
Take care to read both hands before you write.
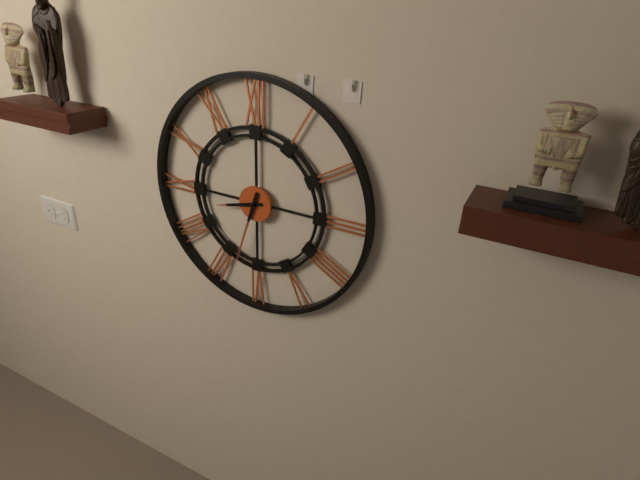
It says 8.33
